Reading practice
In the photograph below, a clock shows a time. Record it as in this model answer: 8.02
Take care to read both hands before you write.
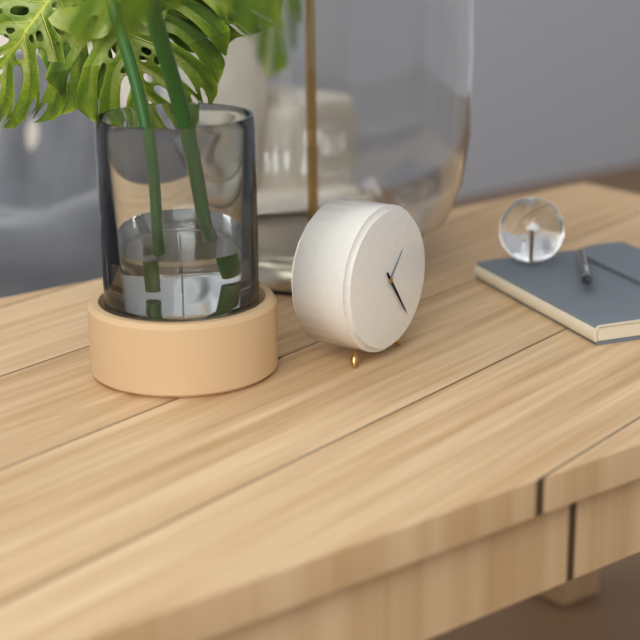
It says 1.24
